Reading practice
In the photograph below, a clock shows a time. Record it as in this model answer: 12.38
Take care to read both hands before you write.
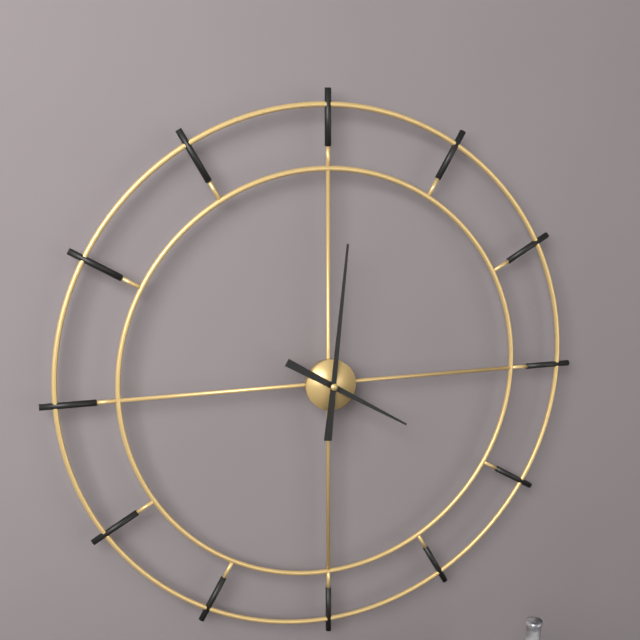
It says 4.01
